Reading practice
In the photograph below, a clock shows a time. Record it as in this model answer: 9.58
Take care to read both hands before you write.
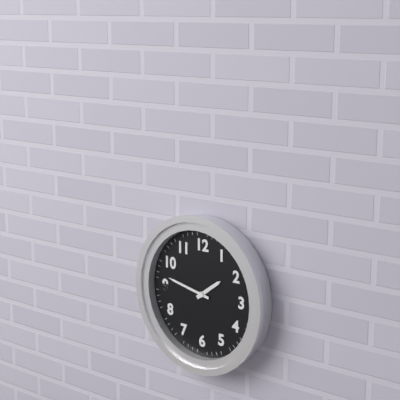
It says 1.47
